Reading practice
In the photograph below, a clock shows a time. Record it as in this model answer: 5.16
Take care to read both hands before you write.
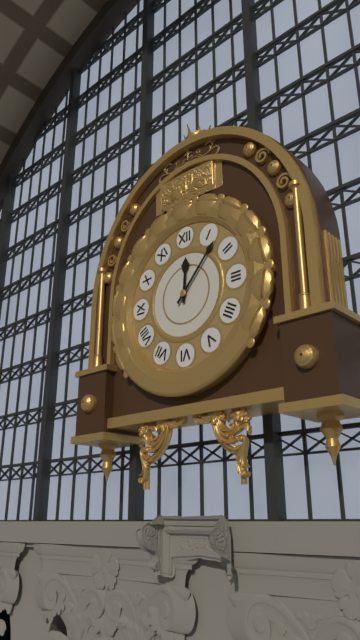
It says 12.07
